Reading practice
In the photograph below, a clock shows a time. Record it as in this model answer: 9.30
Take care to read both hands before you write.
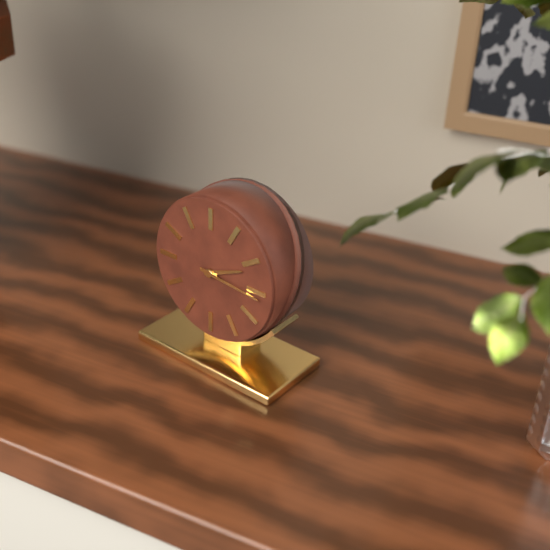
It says 2.16
